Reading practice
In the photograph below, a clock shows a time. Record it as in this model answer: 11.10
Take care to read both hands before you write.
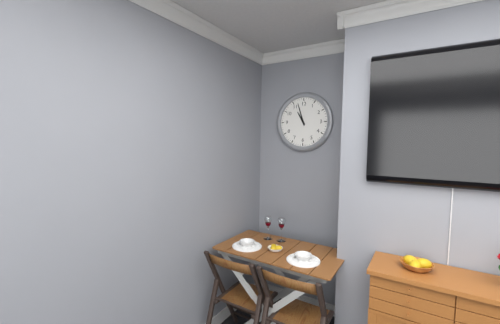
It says 10.57
